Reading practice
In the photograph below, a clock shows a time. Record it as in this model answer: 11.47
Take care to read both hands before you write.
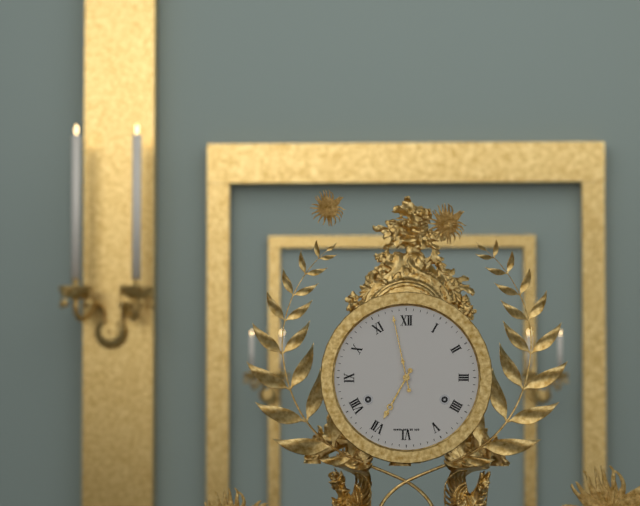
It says 6.58
